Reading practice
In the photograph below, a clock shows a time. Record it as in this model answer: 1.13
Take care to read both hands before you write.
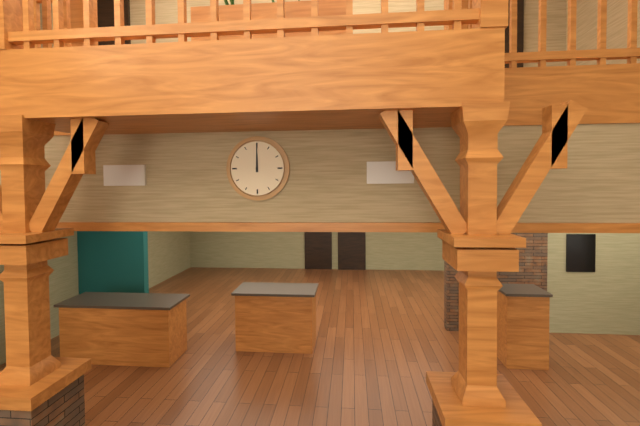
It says 12.00
